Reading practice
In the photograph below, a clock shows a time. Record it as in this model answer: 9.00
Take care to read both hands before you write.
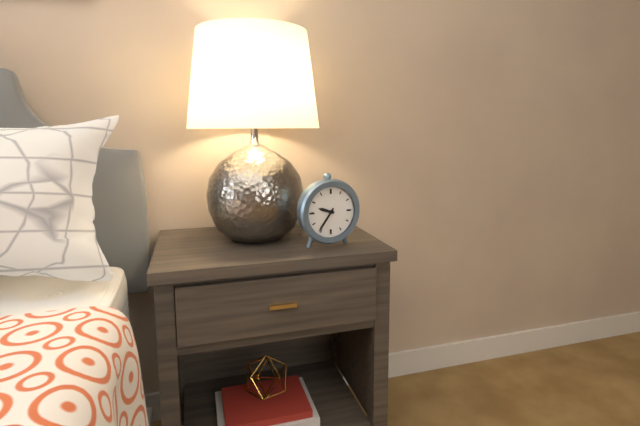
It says 9.36
